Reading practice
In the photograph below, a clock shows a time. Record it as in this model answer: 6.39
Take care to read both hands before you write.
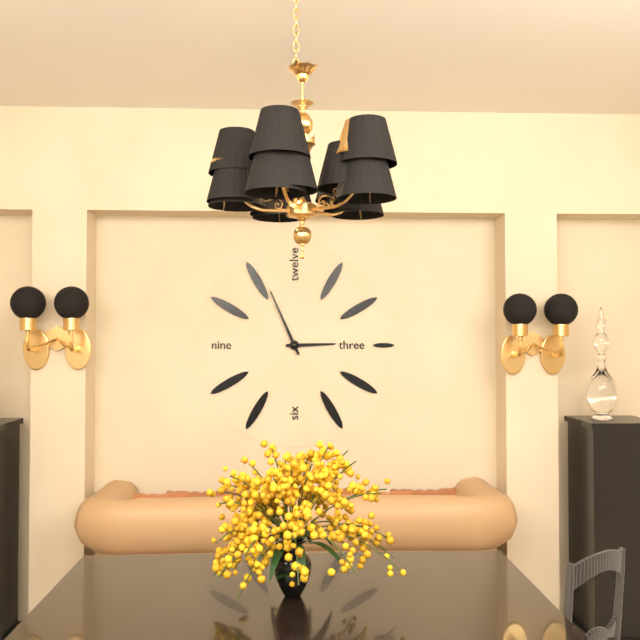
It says 2.56
